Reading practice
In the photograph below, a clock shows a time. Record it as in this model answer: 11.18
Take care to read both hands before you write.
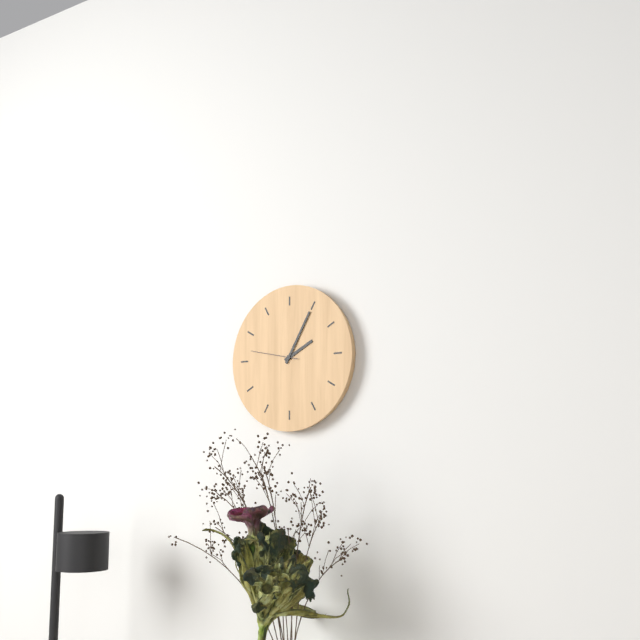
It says 2.05
